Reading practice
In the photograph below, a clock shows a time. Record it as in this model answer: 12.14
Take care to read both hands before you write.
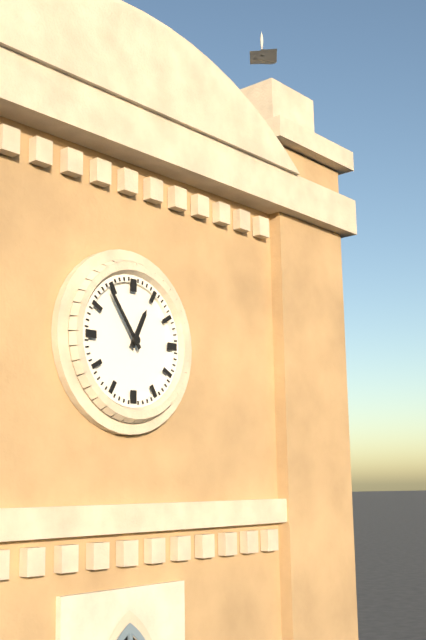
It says 12.54
